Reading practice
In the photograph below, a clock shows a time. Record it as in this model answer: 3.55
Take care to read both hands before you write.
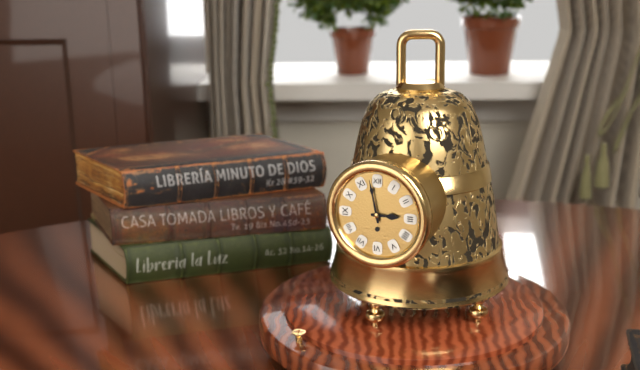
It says 2.58
